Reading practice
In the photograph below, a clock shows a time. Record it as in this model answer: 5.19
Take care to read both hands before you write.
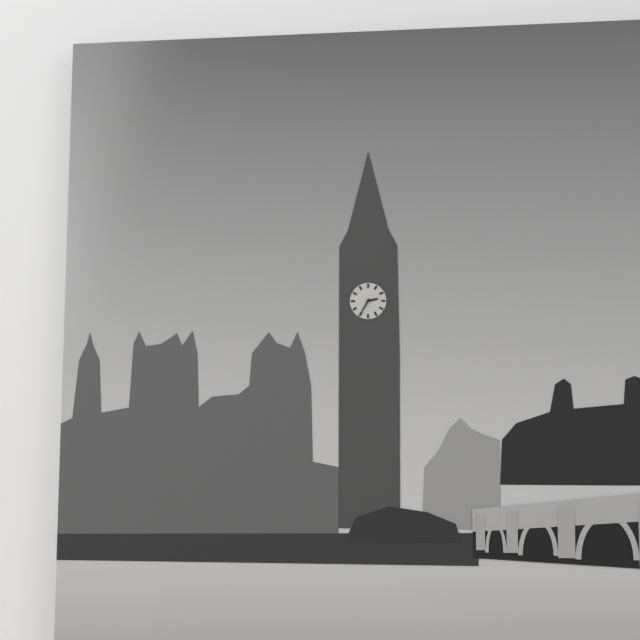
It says 2.35
